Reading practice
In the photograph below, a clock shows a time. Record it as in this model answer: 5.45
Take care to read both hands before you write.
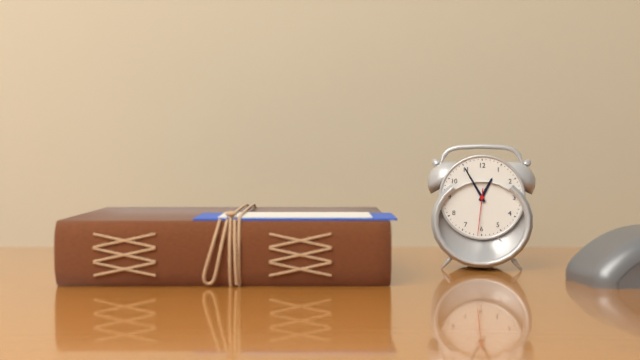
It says 12.55
